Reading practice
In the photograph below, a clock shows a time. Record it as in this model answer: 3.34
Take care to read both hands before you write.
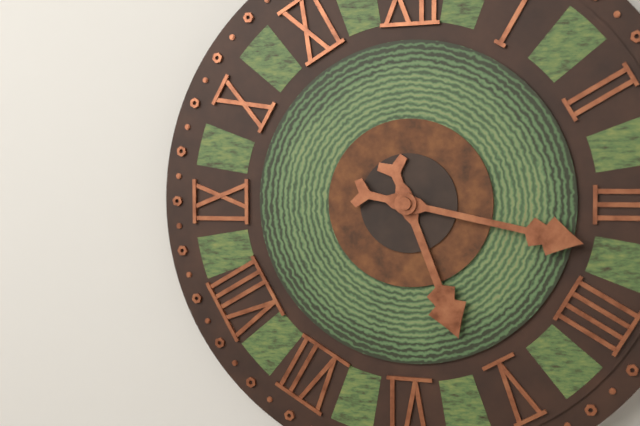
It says 5.17
